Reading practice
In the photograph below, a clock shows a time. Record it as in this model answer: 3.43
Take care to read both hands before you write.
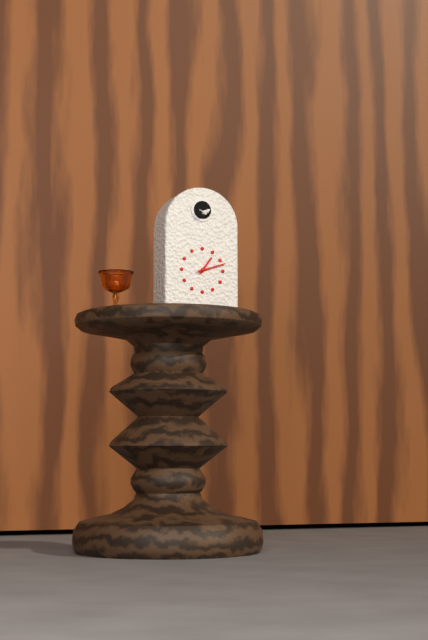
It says 1.12
